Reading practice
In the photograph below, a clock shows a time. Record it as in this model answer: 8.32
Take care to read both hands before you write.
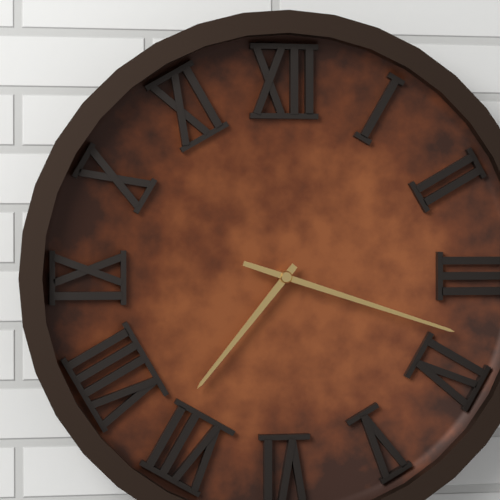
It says 7.18
